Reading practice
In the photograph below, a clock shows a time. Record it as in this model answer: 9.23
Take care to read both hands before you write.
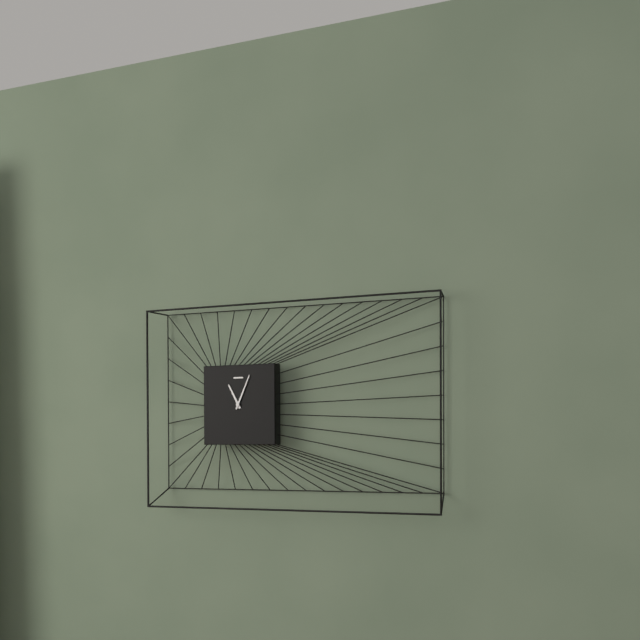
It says 11.04
